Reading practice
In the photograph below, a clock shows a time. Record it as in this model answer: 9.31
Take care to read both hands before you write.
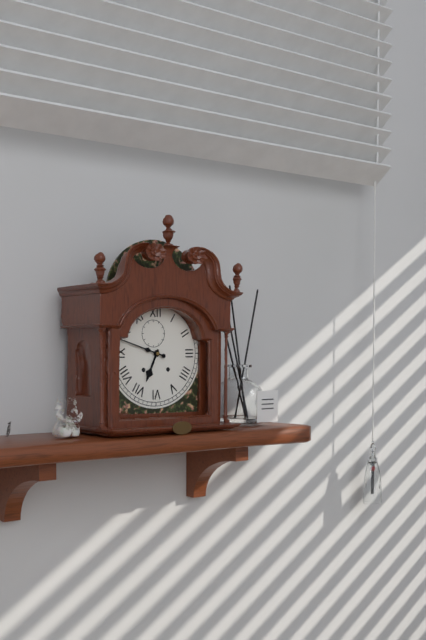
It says 6.48
